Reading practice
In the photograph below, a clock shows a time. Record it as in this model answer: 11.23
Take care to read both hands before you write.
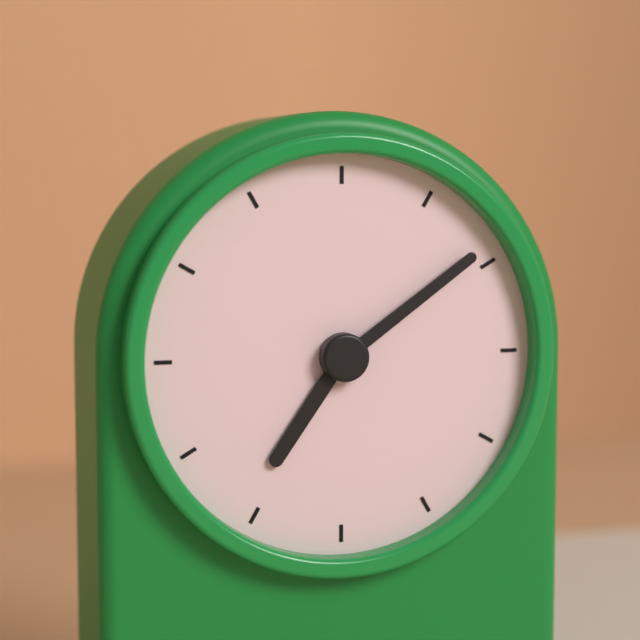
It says 7.09
